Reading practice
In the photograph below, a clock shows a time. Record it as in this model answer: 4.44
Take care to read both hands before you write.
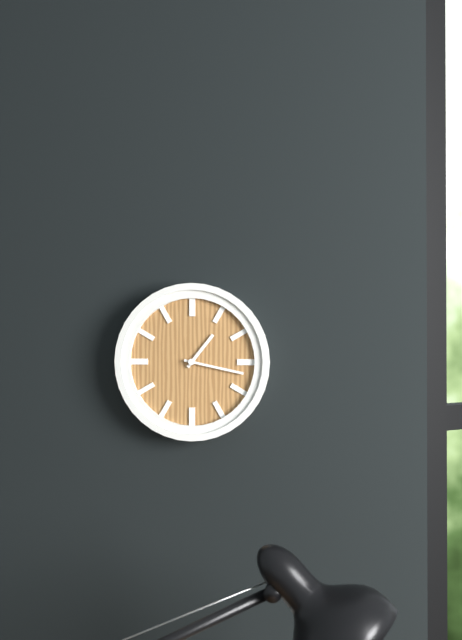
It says 1.17
